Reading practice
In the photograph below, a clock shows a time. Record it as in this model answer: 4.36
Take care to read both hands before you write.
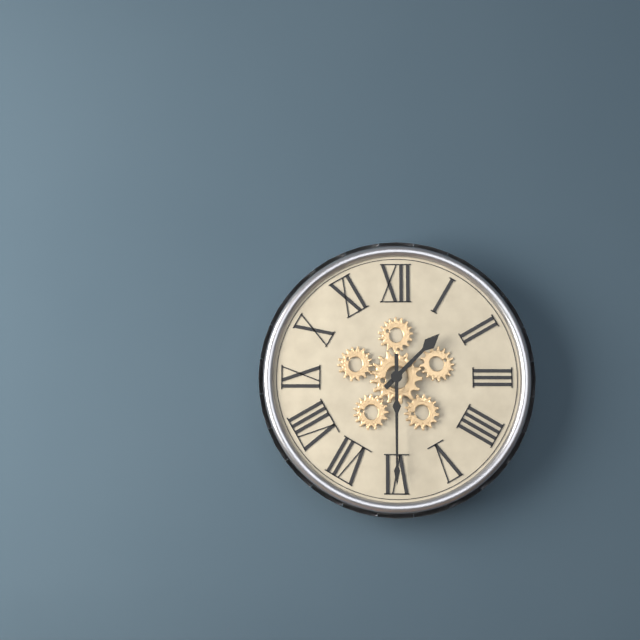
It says 1.30
